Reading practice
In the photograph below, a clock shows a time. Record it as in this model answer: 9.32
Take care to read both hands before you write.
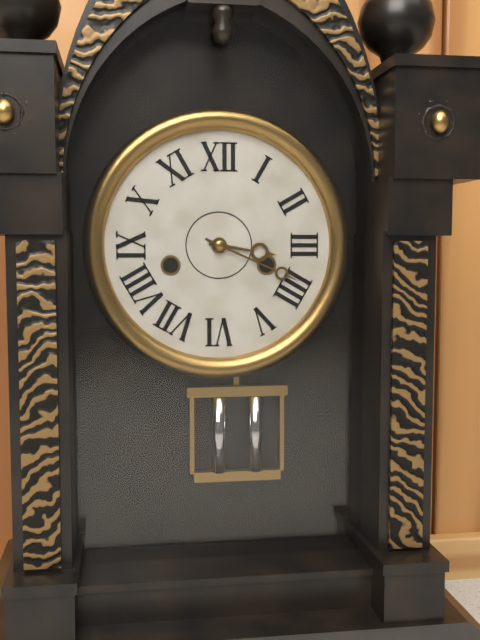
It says 3.19
